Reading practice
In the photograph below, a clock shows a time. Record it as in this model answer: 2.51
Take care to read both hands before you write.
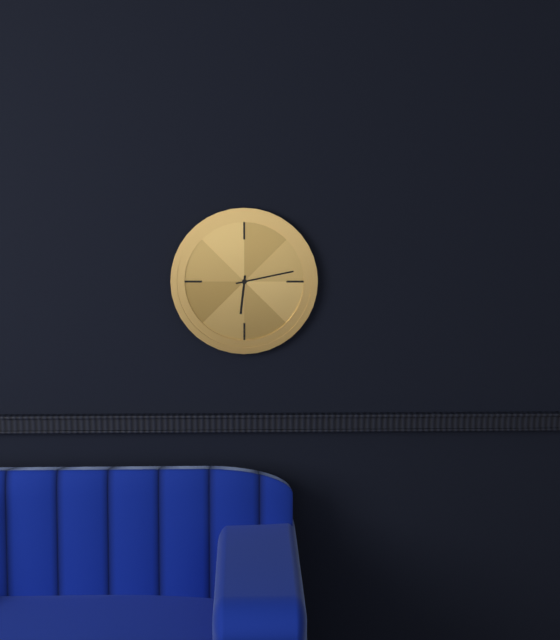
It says 6.13
